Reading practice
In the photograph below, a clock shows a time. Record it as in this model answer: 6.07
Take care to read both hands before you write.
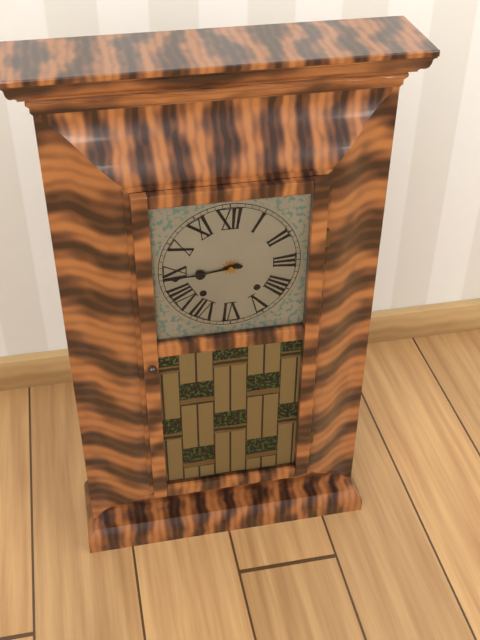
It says 8.44
